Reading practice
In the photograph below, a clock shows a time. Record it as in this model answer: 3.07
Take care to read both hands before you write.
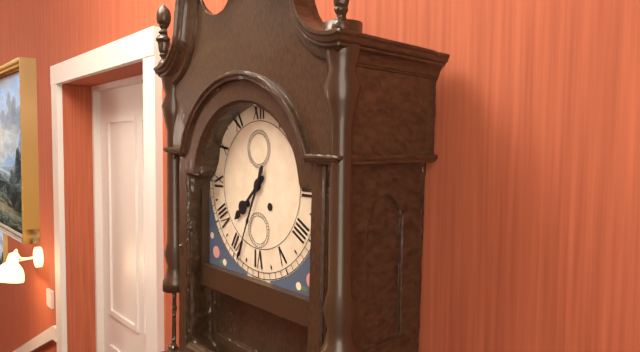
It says 7.34
